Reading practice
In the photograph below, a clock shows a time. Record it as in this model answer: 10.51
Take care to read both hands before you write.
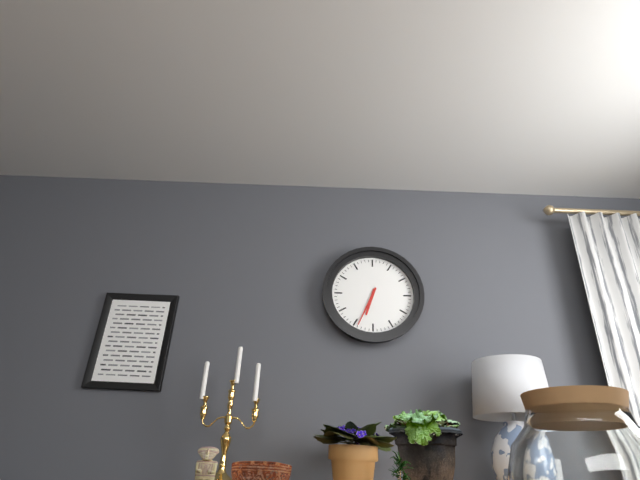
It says 6.34
